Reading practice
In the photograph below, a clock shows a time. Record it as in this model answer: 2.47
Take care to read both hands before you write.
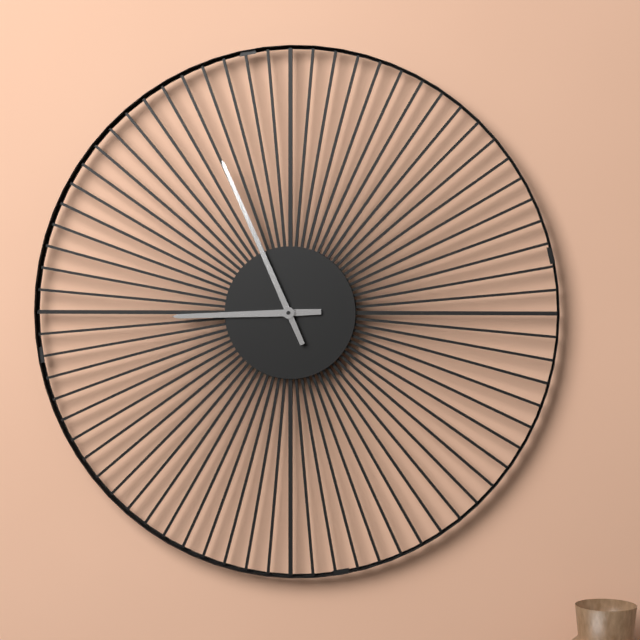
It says 8.56
